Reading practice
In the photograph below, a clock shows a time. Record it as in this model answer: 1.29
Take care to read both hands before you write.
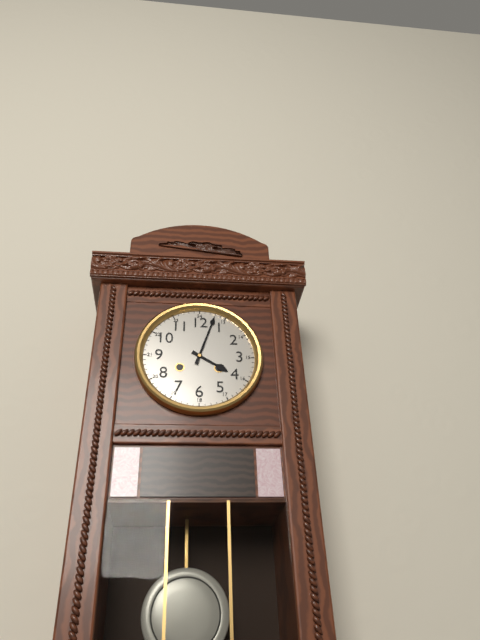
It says 4.03
